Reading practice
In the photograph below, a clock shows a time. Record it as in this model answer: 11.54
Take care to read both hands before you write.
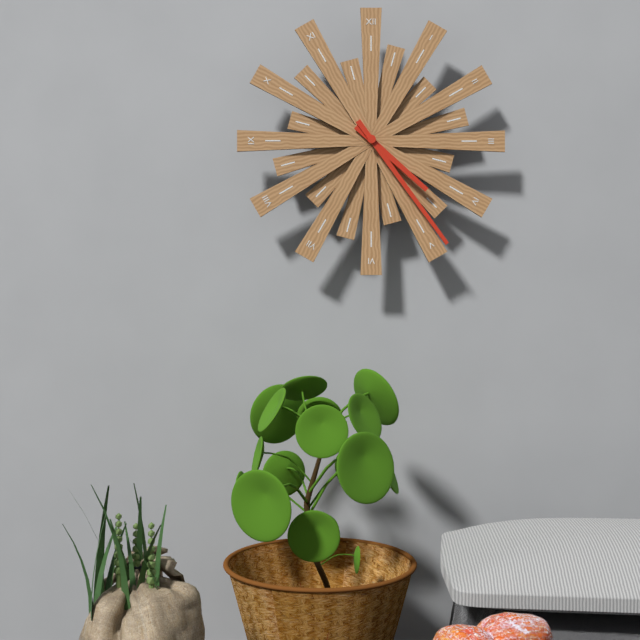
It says 4.24
